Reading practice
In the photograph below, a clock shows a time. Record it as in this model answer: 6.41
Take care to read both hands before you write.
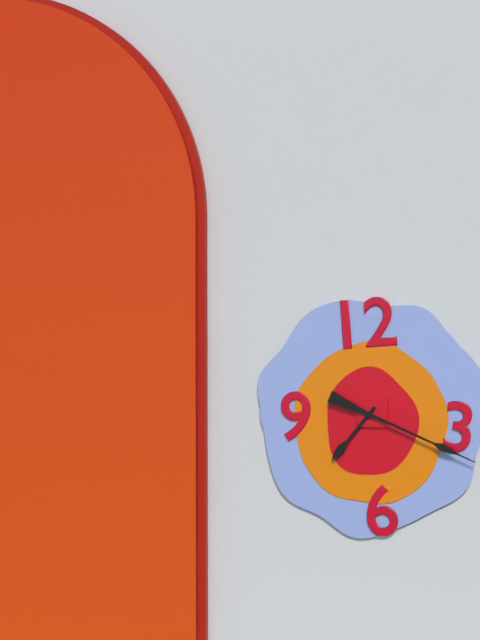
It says 7.19
